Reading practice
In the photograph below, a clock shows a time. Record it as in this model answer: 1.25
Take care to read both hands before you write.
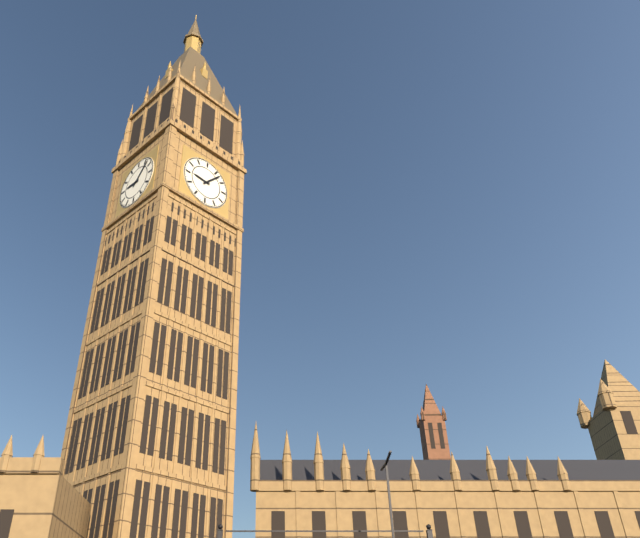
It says 9.07
